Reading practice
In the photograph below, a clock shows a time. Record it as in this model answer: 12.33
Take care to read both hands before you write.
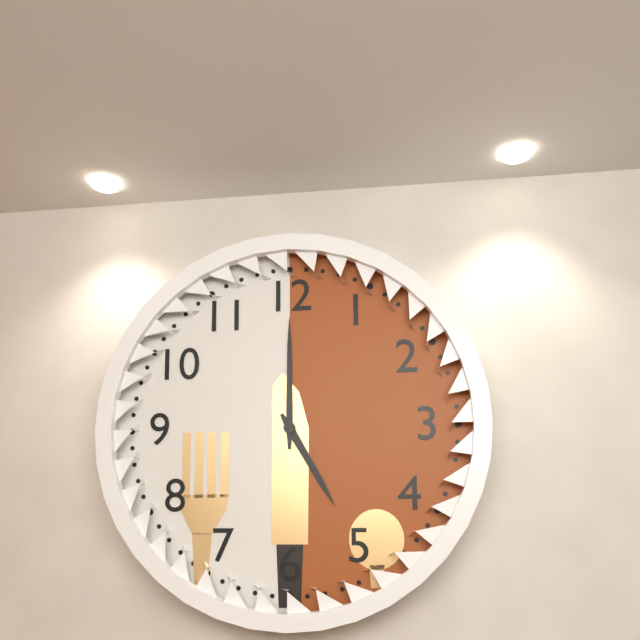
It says 5.00
